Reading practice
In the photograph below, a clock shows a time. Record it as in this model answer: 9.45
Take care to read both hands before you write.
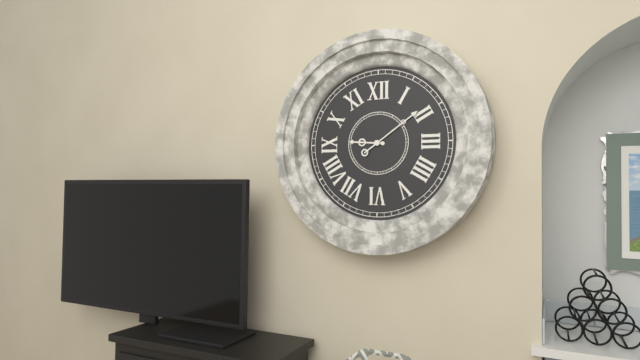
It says 9.09
